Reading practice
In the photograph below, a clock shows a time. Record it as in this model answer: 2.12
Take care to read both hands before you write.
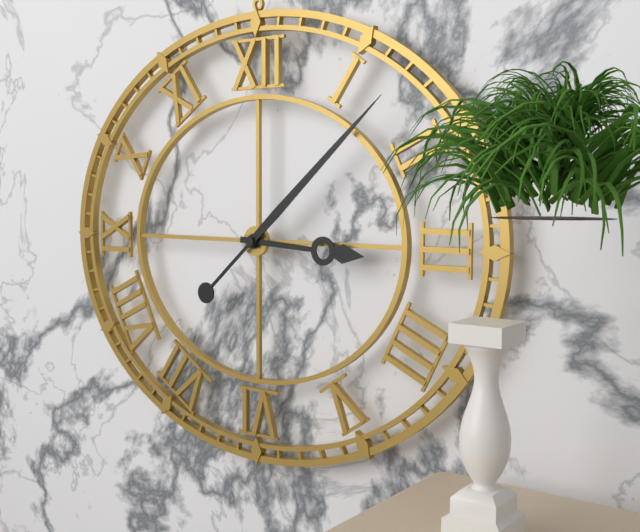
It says 3.08
